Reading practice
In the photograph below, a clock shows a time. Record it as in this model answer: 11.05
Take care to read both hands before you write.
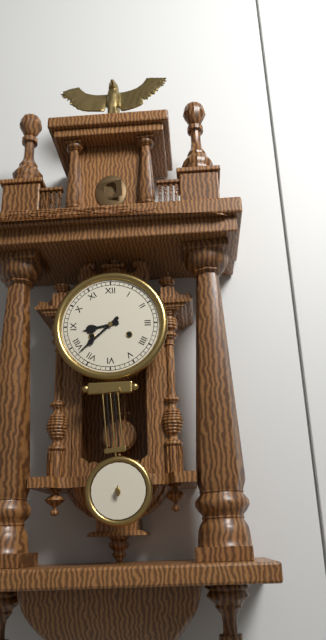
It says 8.38
